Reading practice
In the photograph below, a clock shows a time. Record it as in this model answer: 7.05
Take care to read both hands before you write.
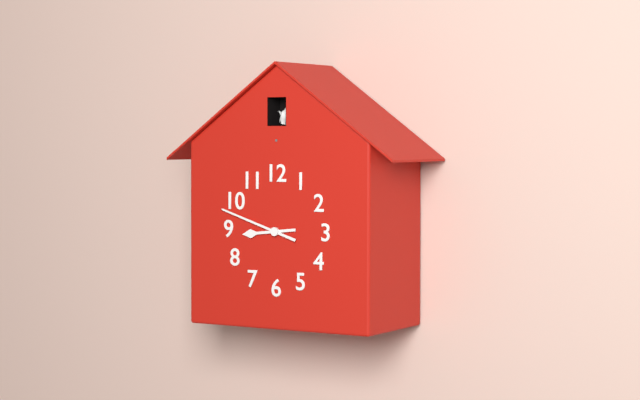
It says 8.48
